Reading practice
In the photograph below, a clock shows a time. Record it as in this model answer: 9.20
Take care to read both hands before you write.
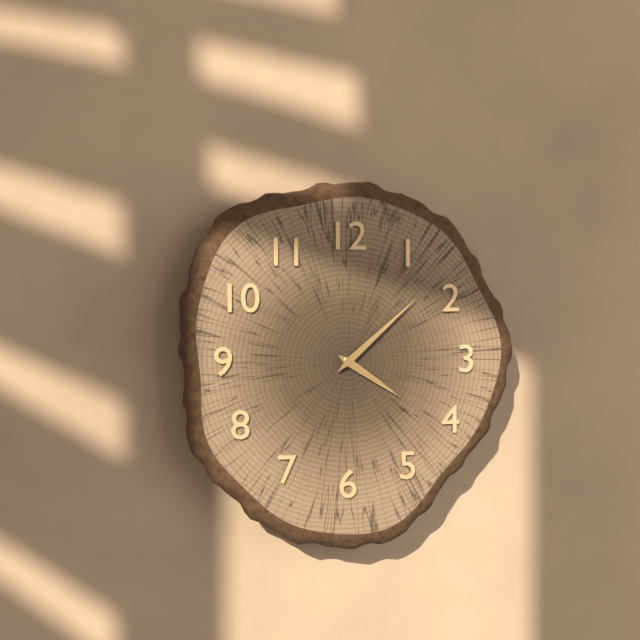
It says 4.08
